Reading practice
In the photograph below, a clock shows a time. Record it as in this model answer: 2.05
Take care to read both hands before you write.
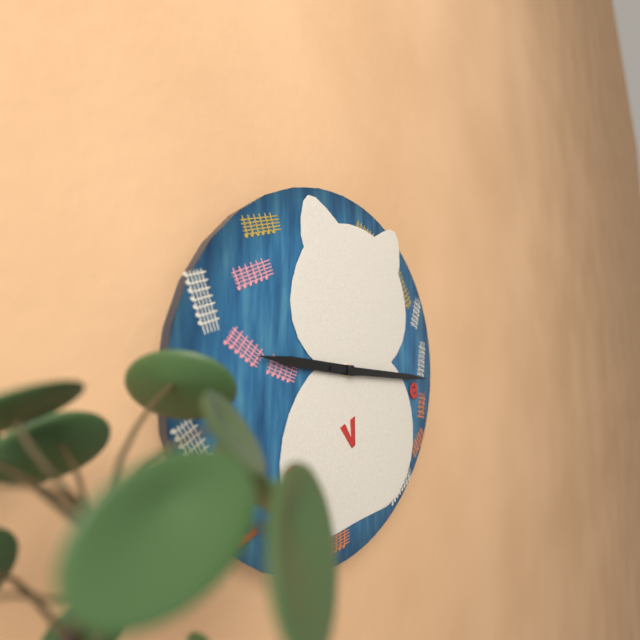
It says 9.16
